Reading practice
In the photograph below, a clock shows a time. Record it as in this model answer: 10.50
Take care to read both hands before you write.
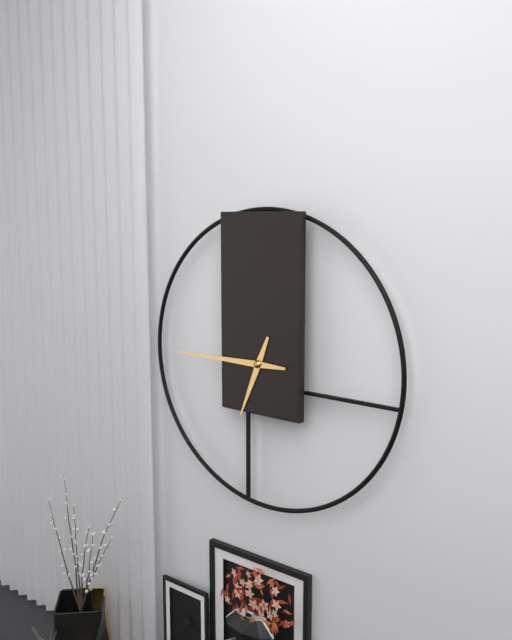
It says 6.45
